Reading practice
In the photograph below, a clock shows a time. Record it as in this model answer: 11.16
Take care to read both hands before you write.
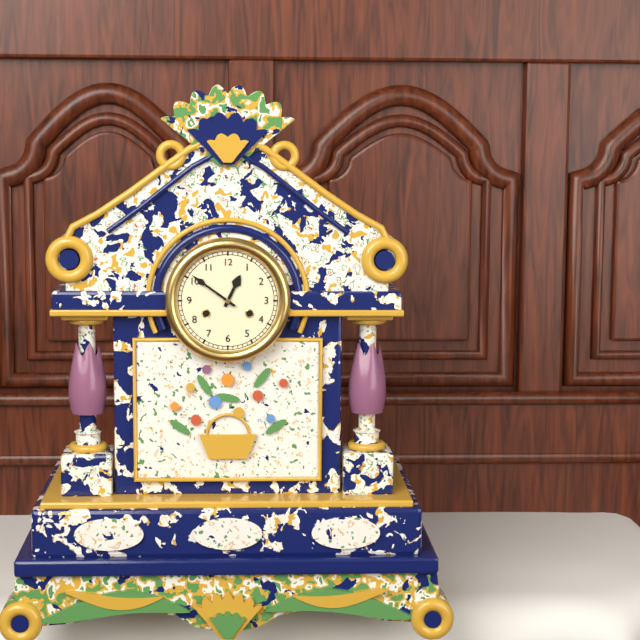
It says 12.51
